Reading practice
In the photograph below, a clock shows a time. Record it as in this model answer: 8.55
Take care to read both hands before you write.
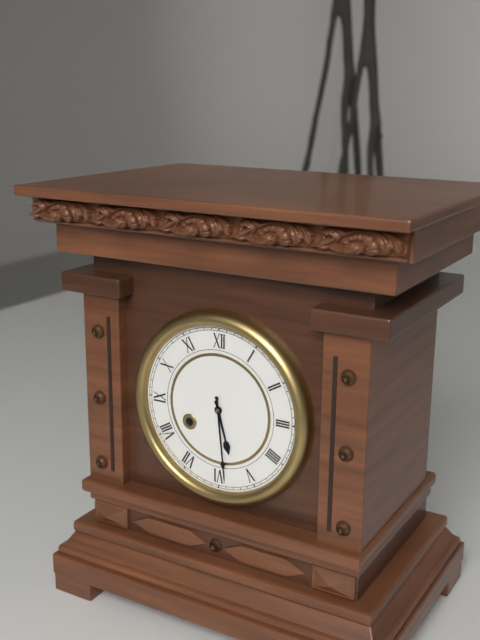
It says 5.29
